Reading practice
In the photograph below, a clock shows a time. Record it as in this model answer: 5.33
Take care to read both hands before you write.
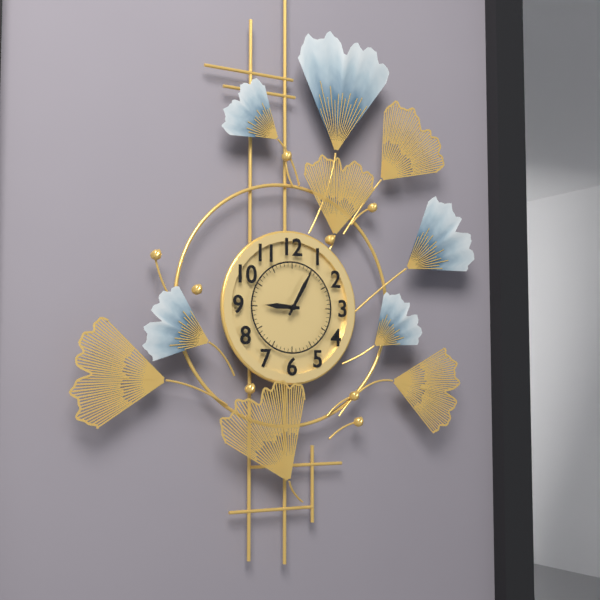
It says 9.05
